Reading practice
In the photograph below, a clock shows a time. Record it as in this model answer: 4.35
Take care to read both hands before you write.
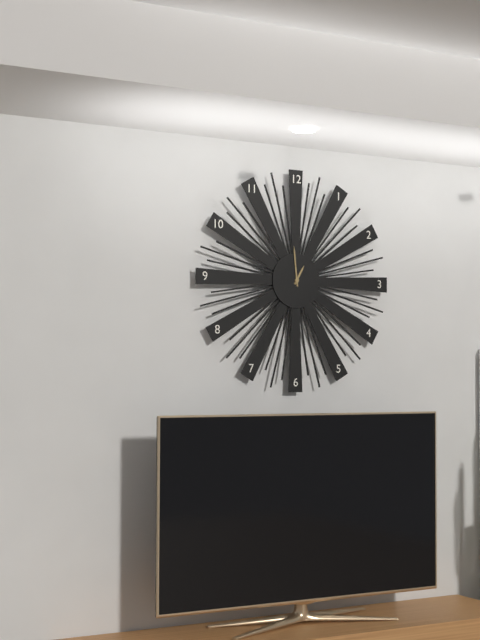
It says 12.59
